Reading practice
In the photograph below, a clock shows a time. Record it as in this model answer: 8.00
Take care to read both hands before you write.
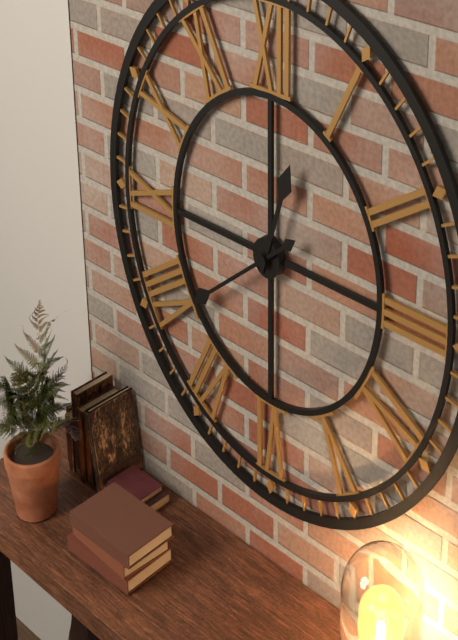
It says 12.39
